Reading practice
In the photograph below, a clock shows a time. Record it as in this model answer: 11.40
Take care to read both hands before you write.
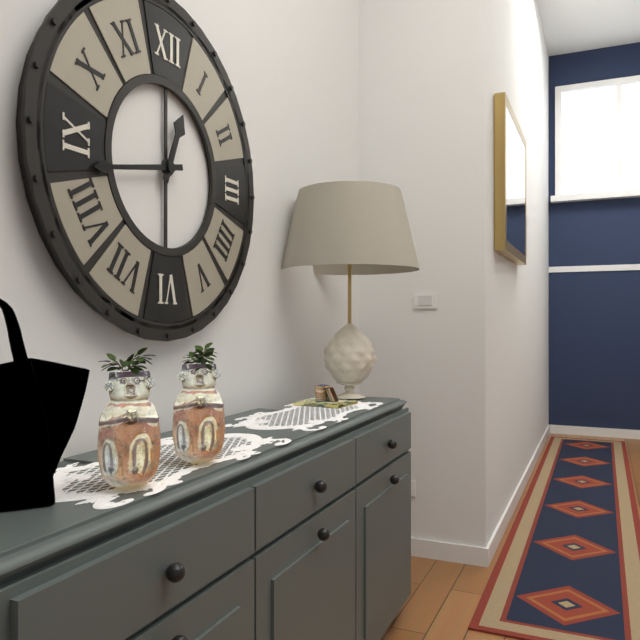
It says 12.43
